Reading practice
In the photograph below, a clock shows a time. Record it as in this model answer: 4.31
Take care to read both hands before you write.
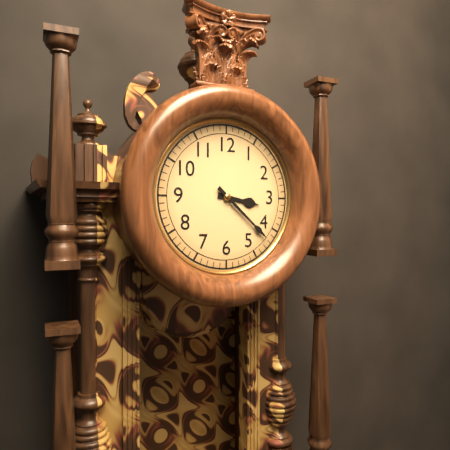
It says 3.22
